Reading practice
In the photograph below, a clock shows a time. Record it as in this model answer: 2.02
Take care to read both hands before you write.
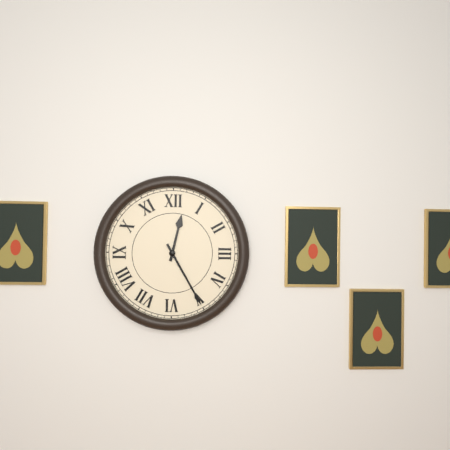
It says 12.25
